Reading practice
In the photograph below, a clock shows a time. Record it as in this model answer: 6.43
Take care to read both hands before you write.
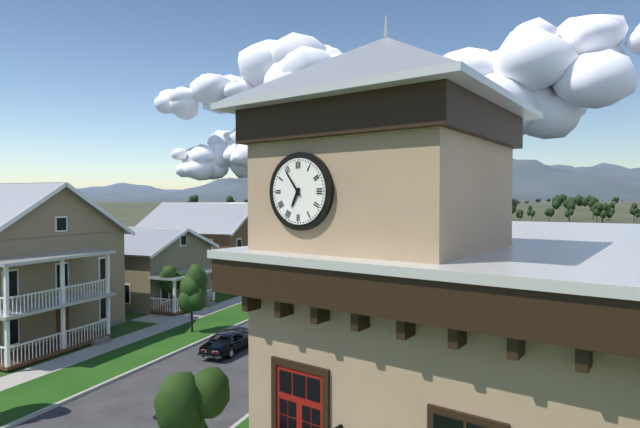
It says 6.54
